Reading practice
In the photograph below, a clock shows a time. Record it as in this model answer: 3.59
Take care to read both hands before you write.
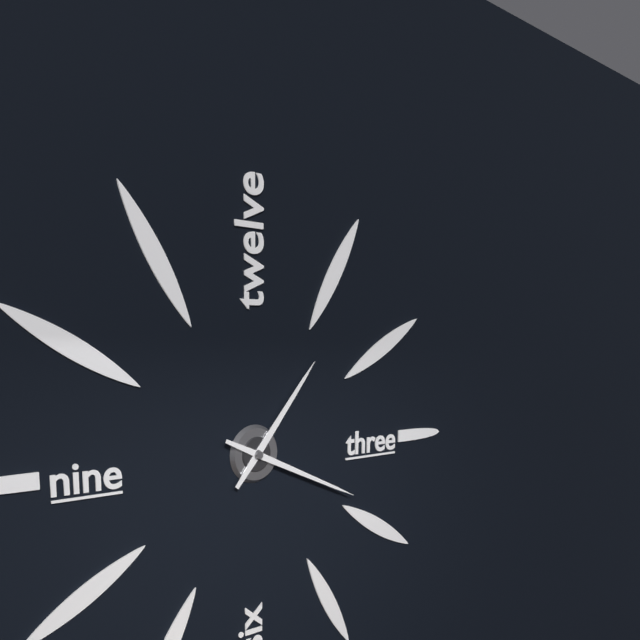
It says 1.19
